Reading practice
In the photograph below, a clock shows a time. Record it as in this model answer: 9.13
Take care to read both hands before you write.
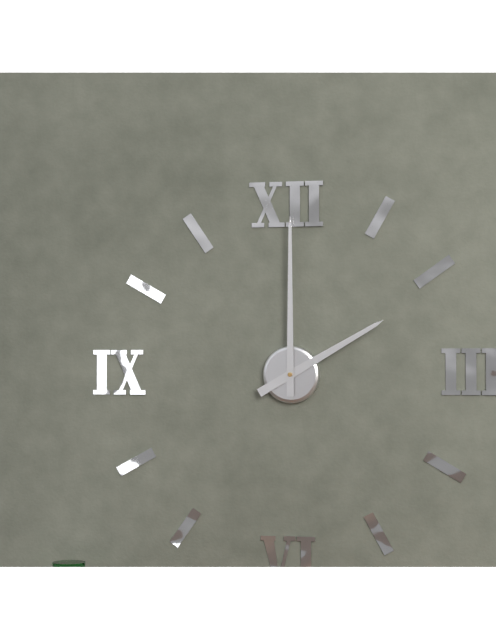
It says 2.00
